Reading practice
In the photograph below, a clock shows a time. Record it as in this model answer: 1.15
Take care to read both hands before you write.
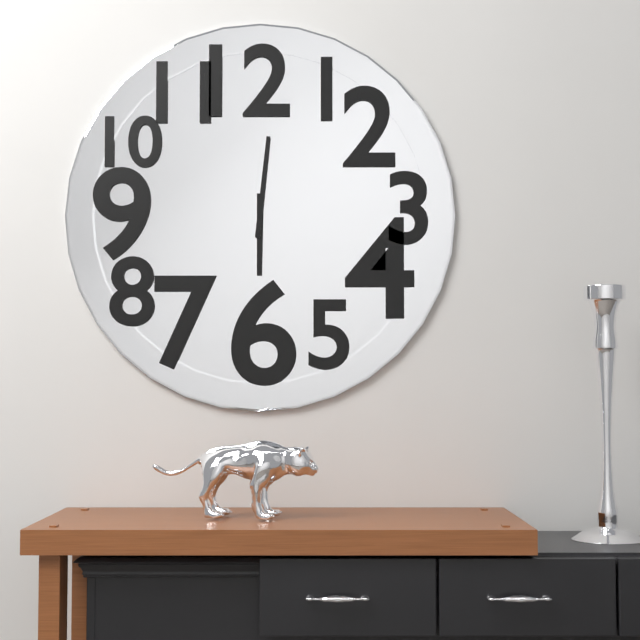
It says 6.01
